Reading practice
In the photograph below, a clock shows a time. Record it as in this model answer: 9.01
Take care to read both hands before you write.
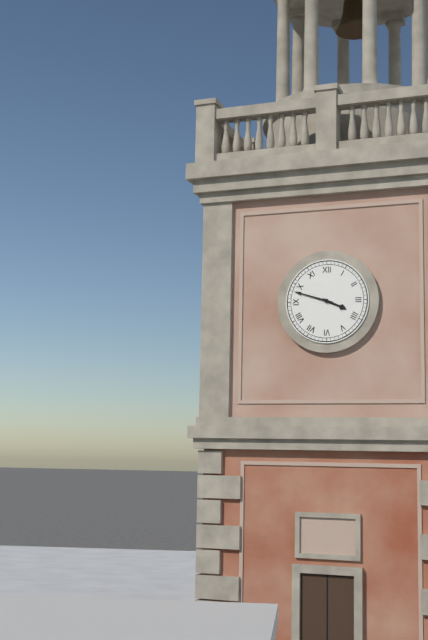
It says 3.48
